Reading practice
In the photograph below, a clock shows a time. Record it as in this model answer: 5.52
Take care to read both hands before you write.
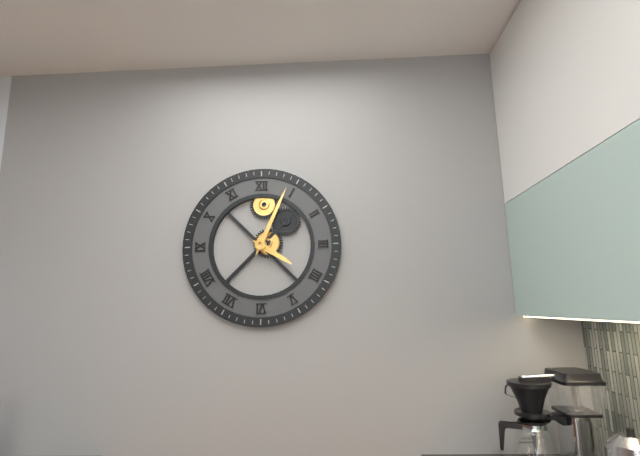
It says 4.04
